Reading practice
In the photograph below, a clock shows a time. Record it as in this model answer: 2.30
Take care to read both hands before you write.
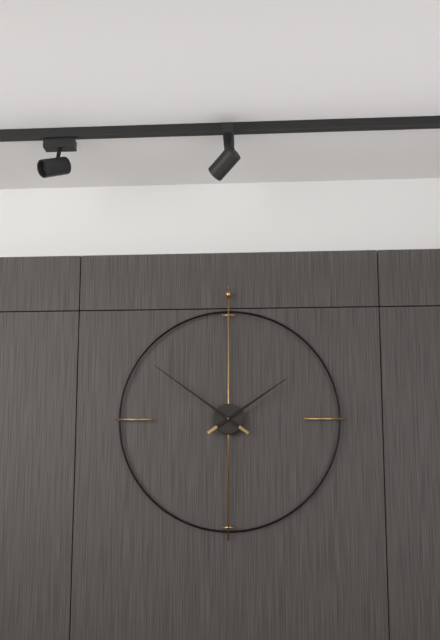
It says 1.51
